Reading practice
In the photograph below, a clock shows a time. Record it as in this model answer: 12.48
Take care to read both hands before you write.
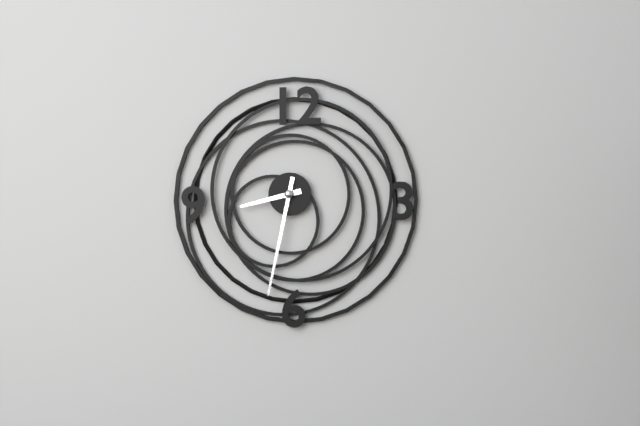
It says 8.32
